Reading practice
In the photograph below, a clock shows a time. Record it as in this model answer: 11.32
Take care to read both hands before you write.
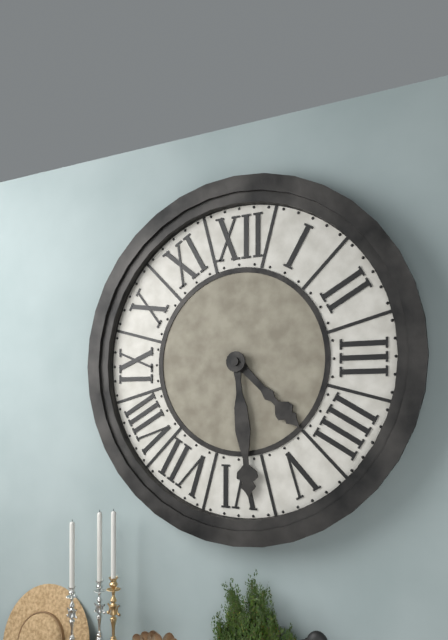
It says 4.29
